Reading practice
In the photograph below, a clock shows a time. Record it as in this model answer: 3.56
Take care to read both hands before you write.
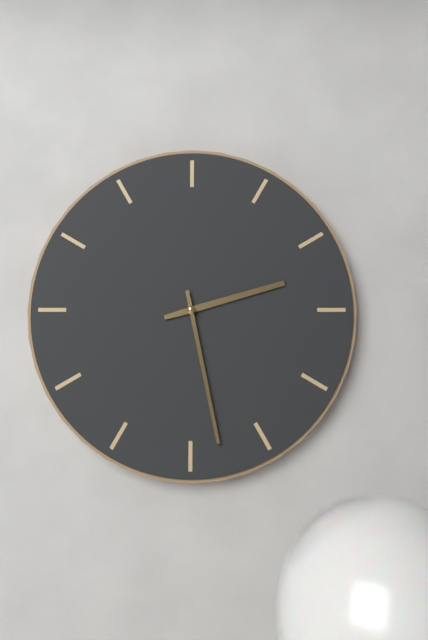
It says 2.28
